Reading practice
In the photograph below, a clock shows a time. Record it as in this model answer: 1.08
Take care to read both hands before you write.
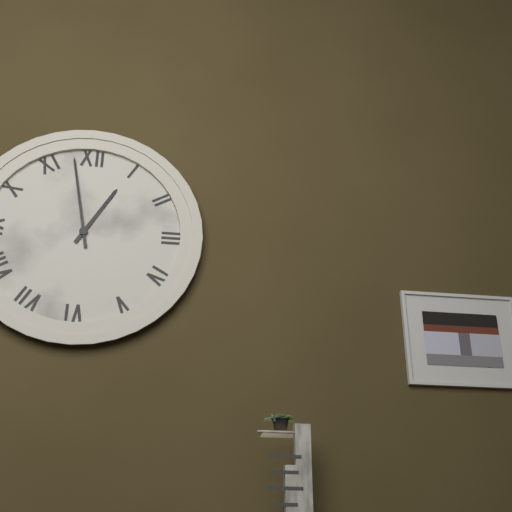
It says 12.58
